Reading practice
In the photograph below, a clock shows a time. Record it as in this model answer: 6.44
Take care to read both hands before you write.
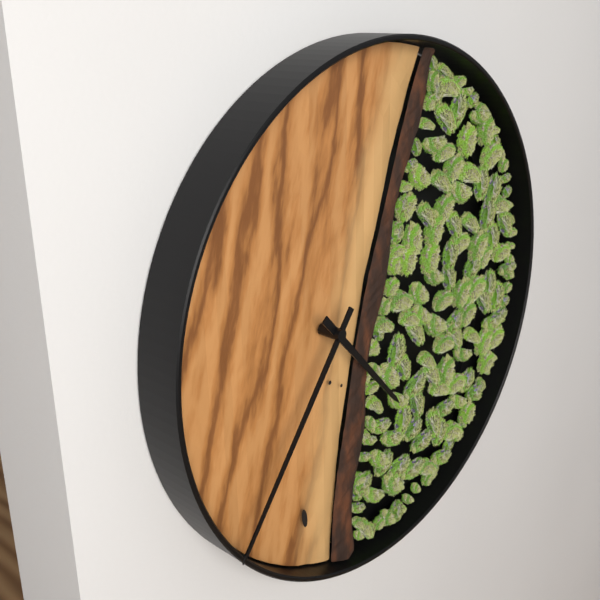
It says 4.36
